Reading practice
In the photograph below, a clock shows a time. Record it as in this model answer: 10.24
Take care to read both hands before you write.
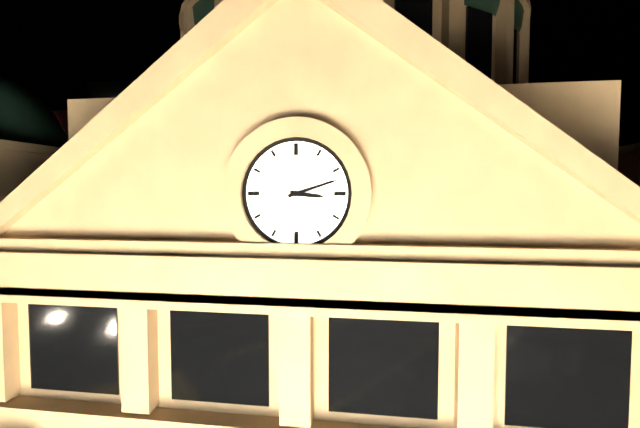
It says 3.12
